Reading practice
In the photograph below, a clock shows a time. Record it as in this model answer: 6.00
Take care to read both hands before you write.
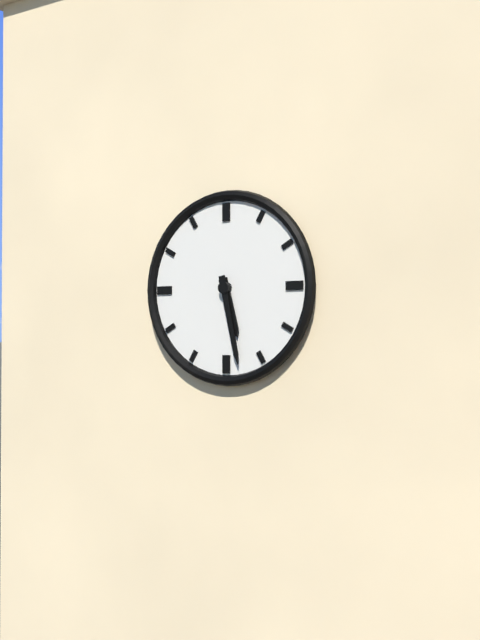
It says 5.28
